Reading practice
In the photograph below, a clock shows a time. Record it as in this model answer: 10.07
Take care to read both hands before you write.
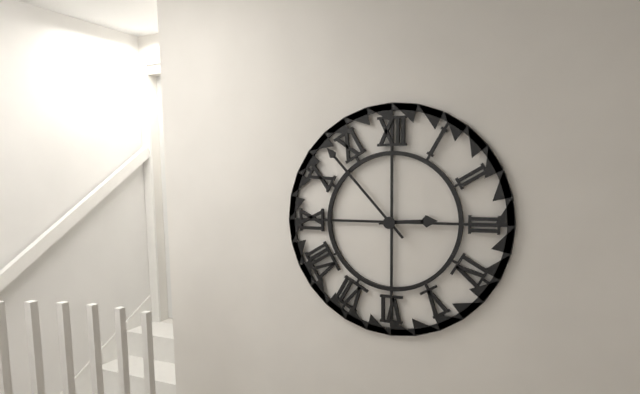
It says 2.53
